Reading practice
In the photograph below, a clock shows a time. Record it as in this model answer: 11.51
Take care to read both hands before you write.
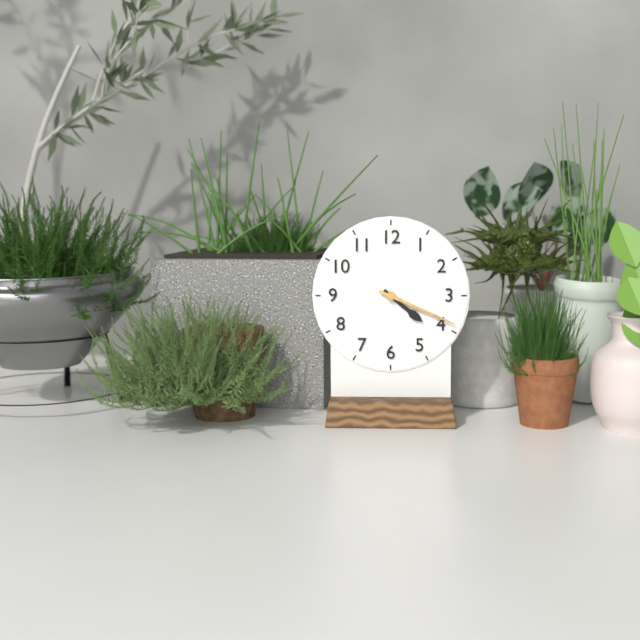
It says 4.19
